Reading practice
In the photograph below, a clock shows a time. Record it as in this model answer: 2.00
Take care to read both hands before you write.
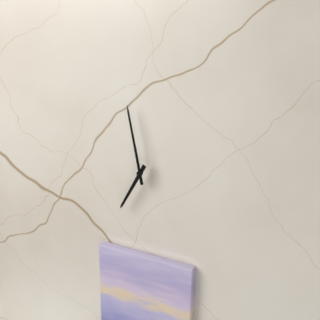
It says 6.58
